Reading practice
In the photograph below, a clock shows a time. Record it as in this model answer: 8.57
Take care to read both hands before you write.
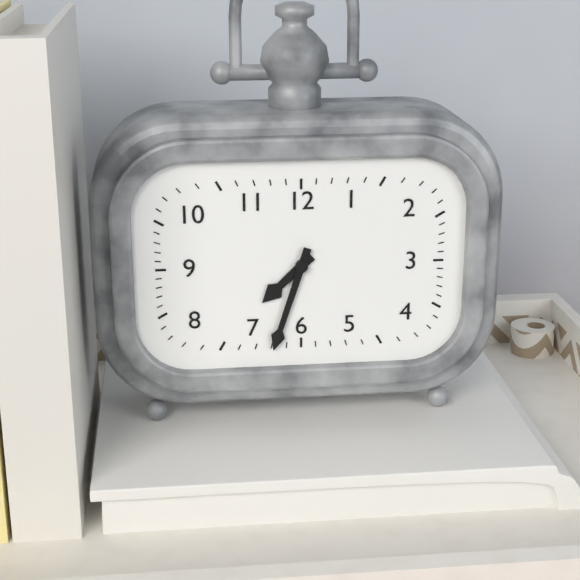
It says 7.33
